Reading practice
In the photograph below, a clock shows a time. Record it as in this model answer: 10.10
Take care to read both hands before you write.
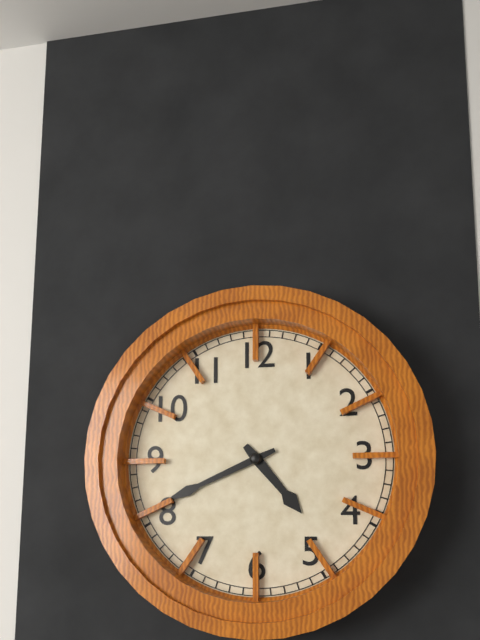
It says 4.41
